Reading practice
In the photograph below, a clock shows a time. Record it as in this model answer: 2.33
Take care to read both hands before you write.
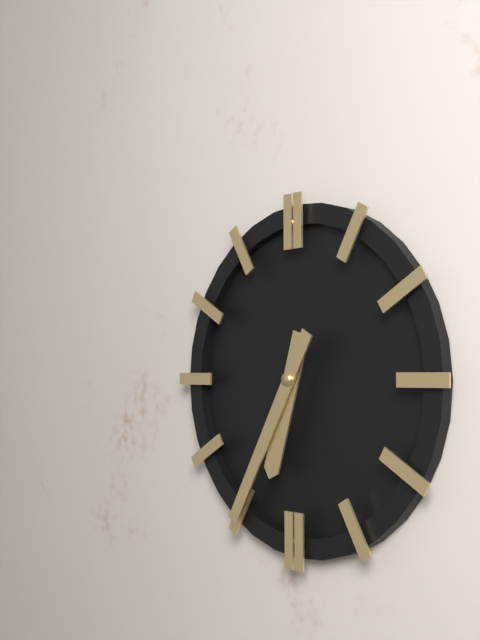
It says 6.35
